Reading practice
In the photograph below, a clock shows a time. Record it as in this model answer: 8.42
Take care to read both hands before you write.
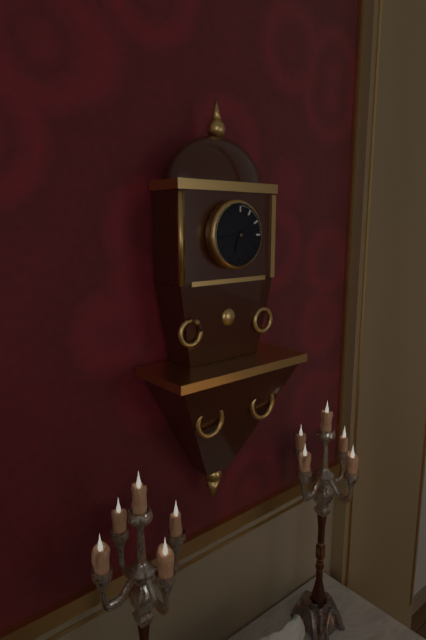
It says 6.44
